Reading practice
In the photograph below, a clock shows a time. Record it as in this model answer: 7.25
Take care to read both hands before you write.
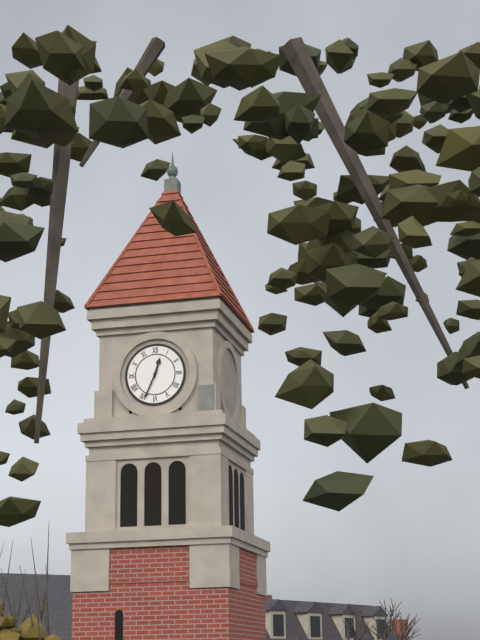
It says 12.34
